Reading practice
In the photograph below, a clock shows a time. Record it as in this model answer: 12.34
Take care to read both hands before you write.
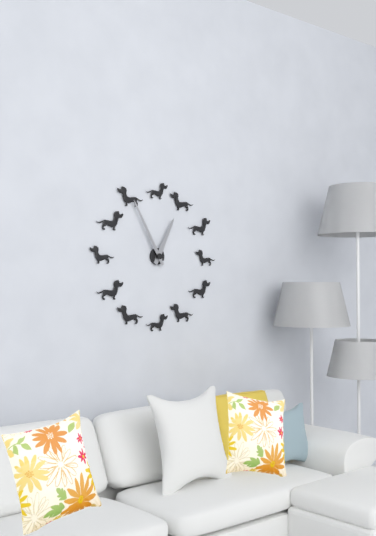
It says 12.55
